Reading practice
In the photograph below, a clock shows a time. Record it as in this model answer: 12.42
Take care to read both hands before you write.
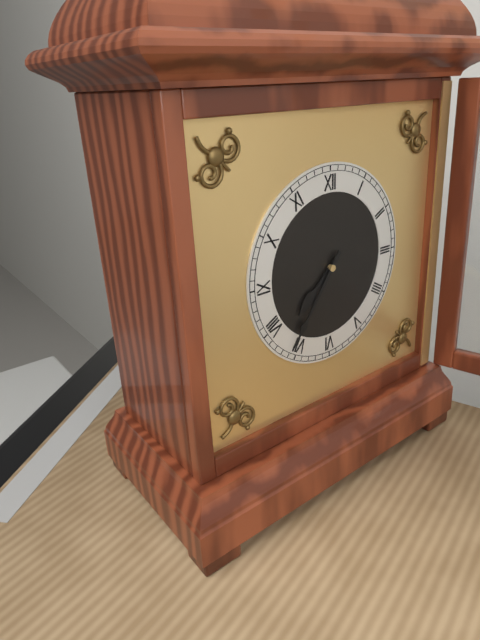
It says 7.36
